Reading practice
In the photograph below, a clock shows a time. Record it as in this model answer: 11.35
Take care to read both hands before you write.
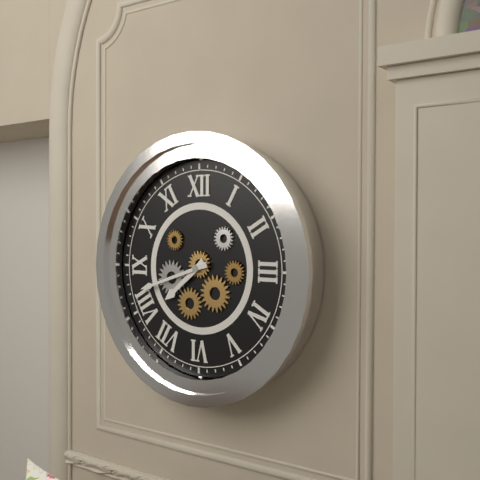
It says 7.42
